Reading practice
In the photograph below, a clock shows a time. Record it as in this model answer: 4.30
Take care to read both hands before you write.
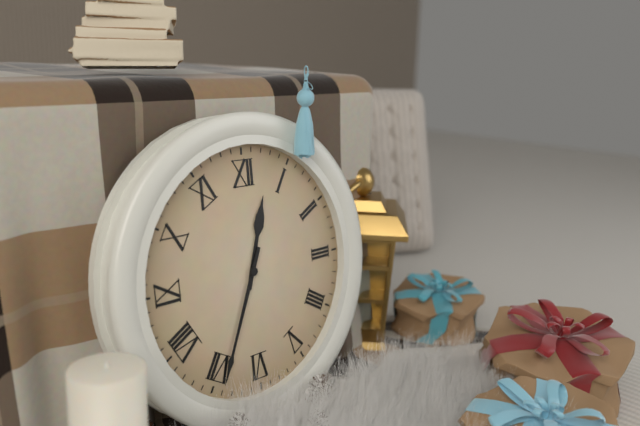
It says 12.34
